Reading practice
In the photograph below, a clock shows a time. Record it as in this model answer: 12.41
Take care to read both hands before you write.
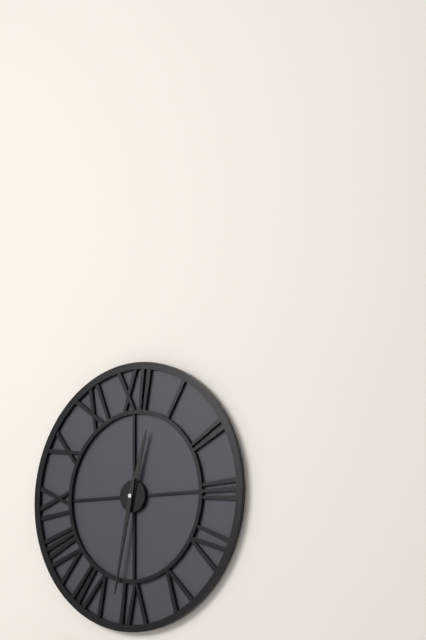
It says 12.32
